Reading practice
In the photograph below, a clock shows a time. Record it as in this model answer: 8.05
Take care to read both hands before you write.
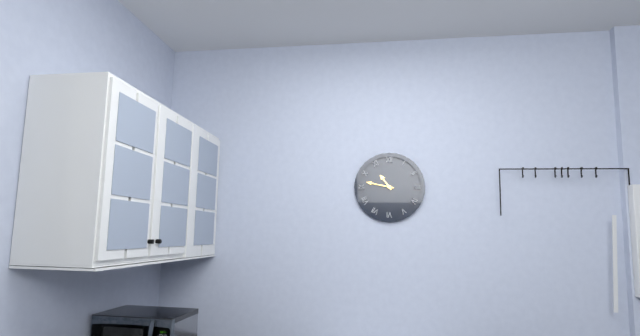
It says 10.47
